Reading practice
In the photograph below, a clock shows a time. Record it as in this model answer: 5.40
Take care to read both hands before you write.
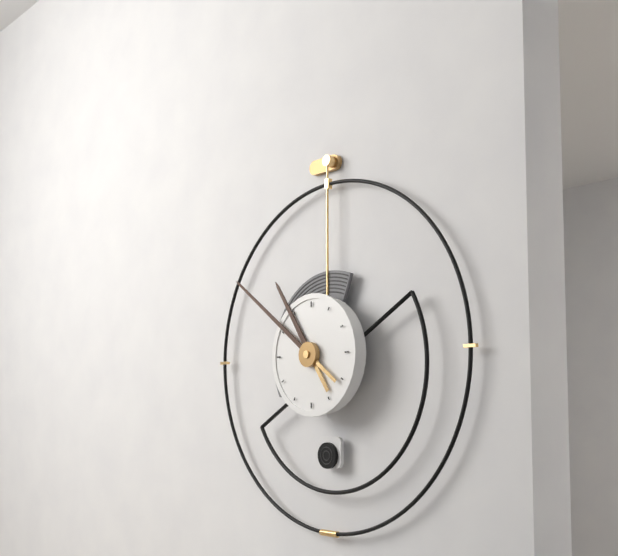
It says 10.51
